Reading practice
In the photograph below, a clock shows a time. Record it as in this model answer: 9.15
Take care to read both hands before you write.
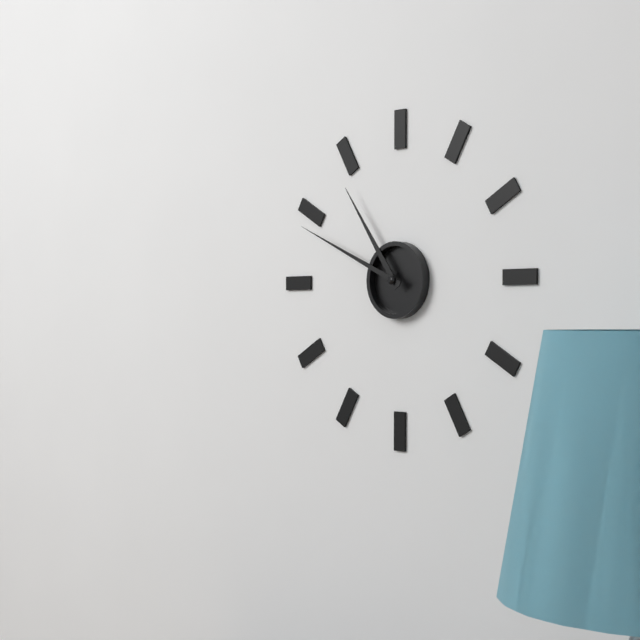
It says 10.49
